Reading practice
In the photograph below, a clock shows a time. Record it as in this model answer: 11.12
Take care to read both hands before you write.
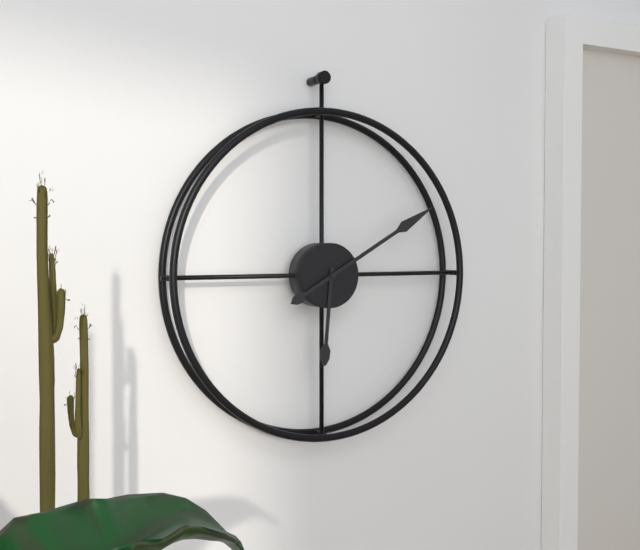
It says 6.10
